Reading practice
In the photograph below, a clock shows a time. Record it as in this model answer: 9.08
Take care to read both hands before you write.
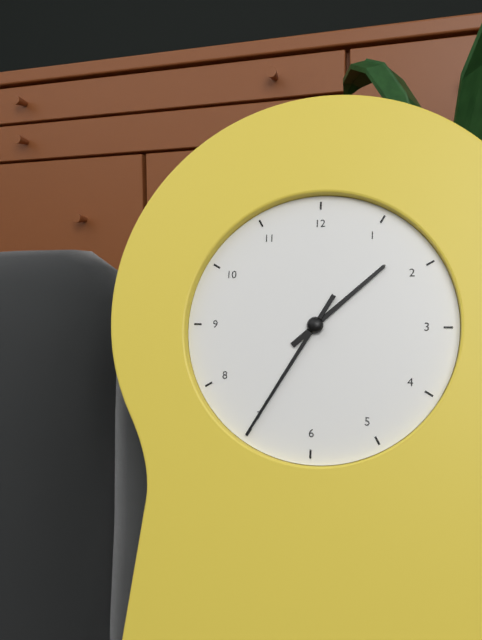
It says 1.35
